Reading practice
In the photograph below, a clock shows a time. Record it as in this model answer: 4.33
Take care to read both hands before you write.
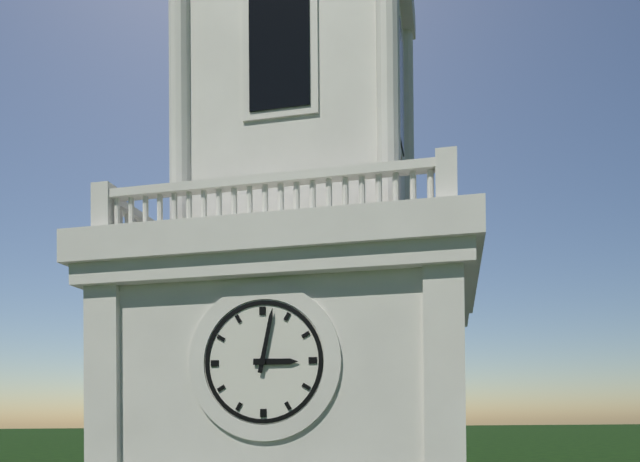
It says 3.02
